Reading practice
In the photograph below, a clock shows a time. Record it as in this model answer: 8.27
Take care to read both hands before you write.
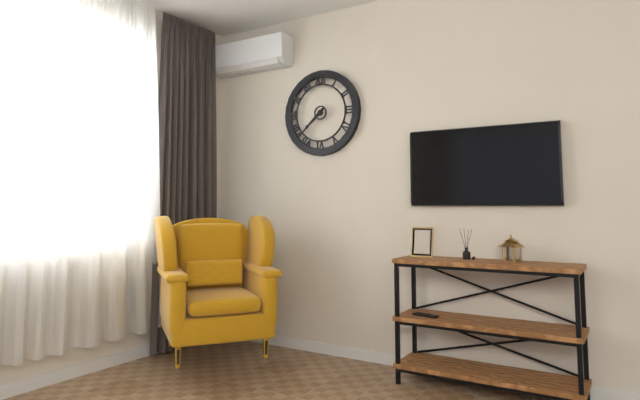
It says 7.38
